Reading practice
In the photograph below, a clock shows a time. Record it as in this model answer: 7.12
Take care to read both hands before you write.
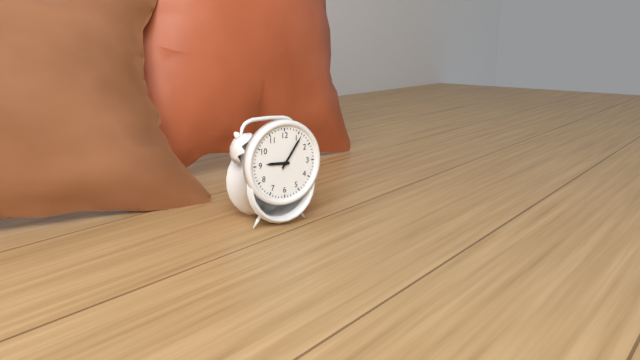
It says 9.06
